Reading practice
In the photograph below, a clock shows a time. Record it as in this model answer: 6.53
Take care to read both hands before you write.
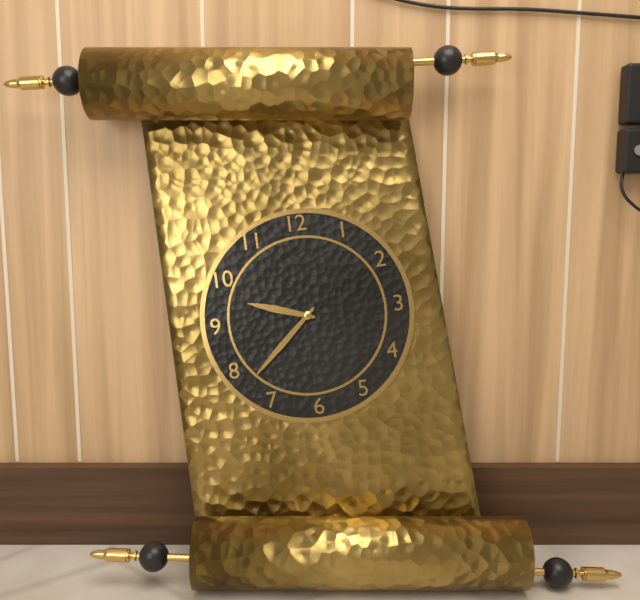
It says 9.38
